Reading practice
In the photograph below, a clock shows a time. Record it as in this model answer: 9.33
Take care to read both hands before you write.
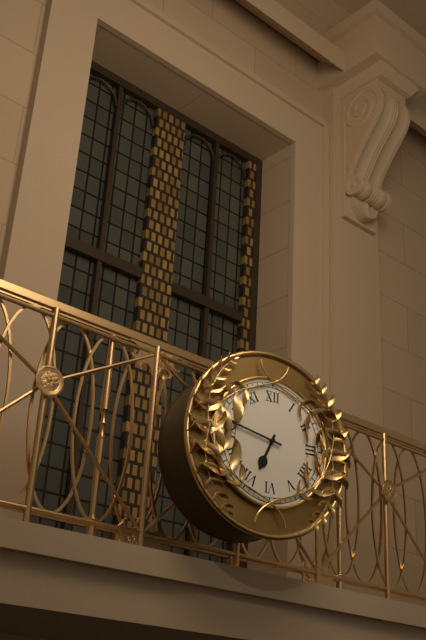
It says 6.47
